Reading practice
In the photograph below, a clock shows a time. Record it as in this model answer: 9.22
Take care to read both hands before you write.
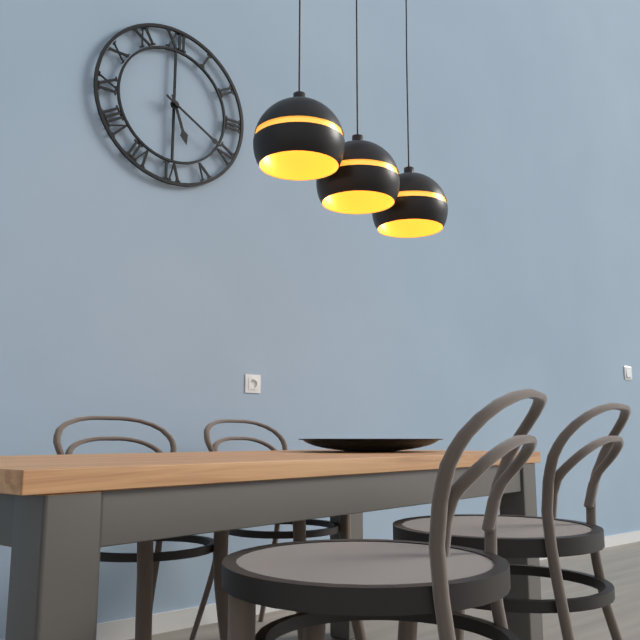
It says 5.20
